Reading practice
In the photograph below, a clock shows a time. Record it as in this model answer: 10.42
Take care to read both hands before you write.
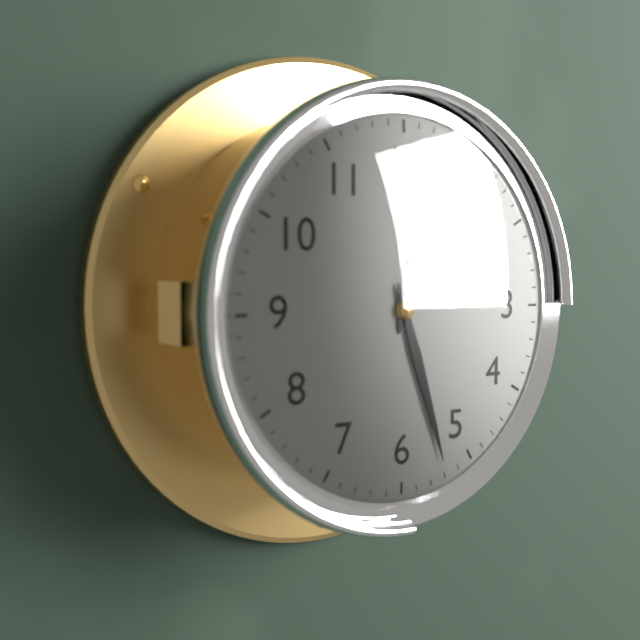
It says 12.27
